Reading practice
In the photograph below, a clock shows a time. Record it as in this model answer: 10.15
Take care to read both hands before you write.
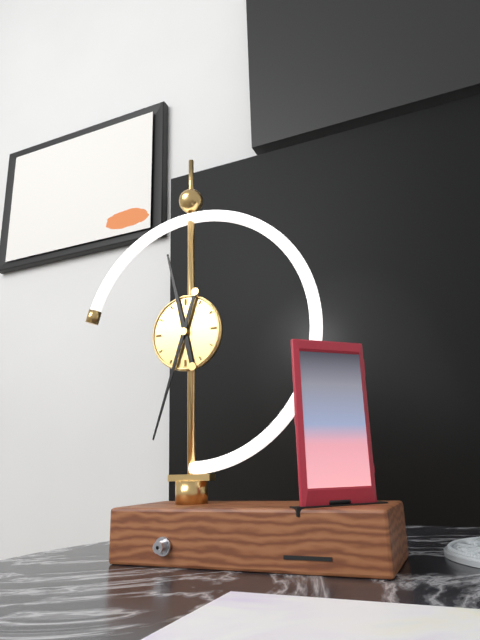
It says 11.33
